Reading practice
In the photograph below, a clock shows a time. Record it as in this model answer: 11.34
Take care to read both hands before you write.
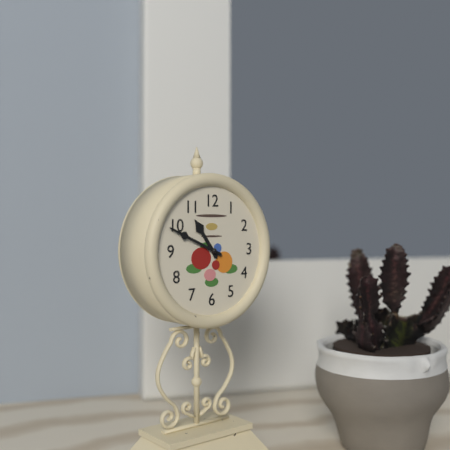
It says 10.49
